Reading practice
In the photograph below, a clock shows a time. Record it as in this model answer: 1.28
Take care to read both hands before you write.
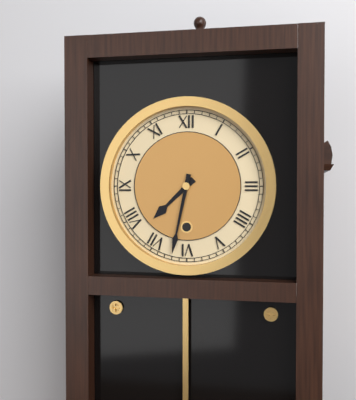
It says 7.32
